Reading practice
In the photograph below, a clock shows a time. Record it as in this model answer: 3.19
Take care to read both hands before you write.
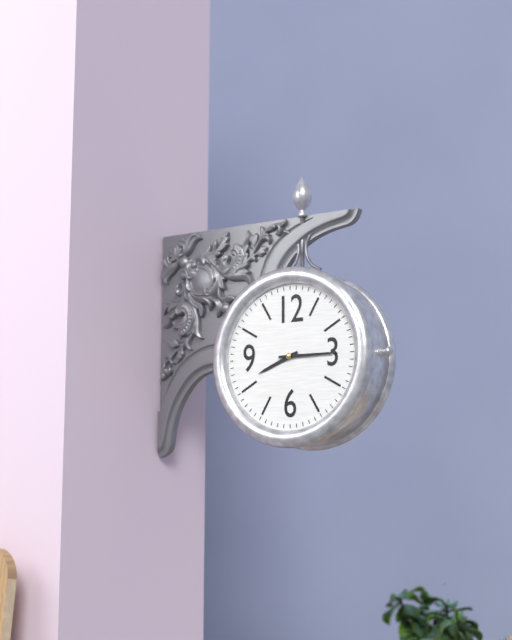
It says 8.15
